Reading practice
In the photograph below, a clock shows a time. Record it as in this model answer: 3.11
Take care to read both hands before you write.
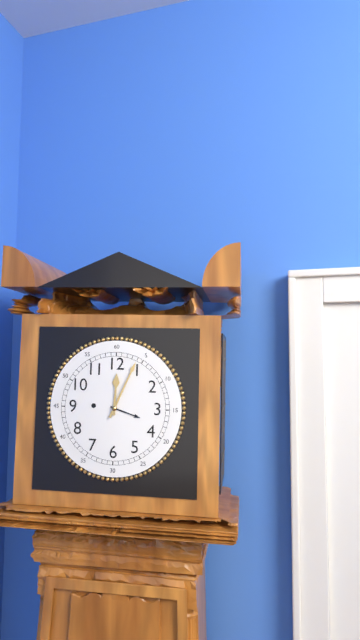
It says 12.04
